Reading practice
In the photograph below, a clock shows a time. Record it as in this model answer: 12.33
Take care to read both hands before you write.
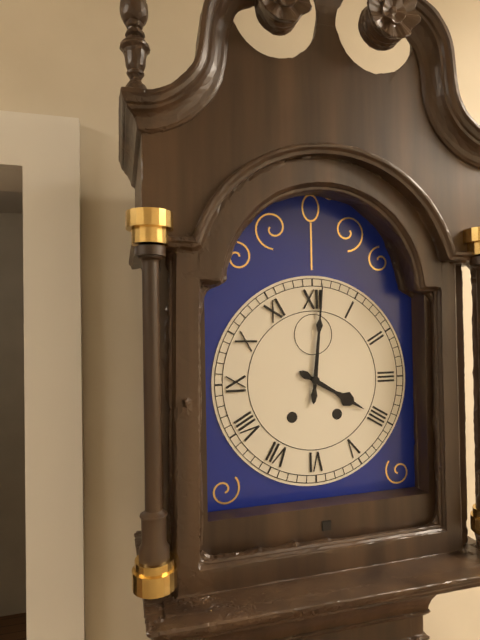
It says 4.01
